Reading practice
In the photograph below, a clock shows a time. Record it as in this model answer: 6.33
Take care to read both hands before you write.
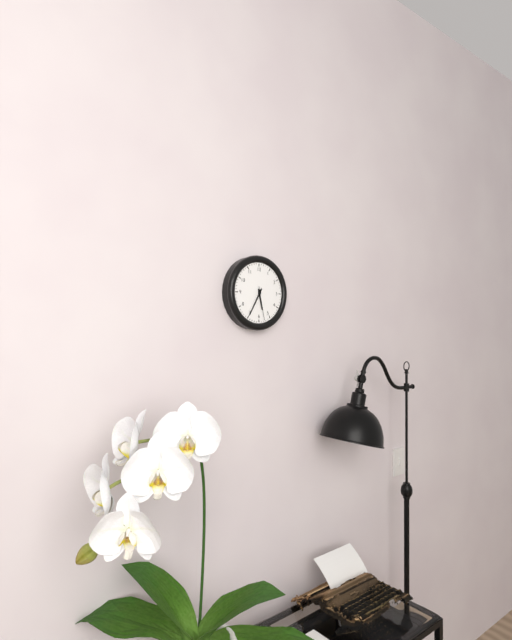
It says 5.35
